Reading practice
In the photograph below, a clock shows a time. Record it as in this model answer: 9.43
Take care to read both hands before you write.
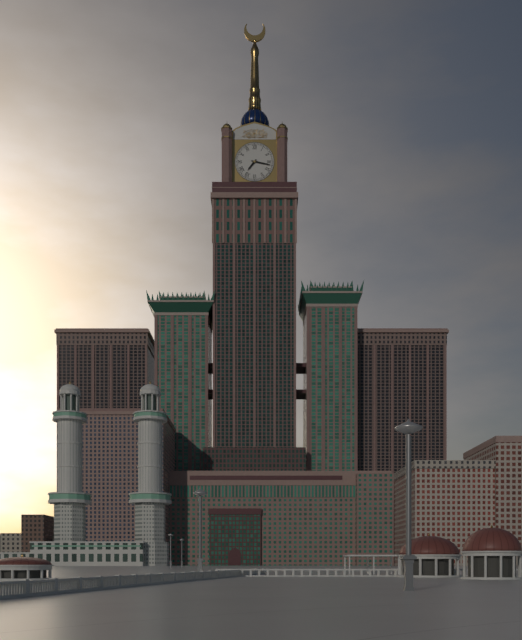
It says 7.17
